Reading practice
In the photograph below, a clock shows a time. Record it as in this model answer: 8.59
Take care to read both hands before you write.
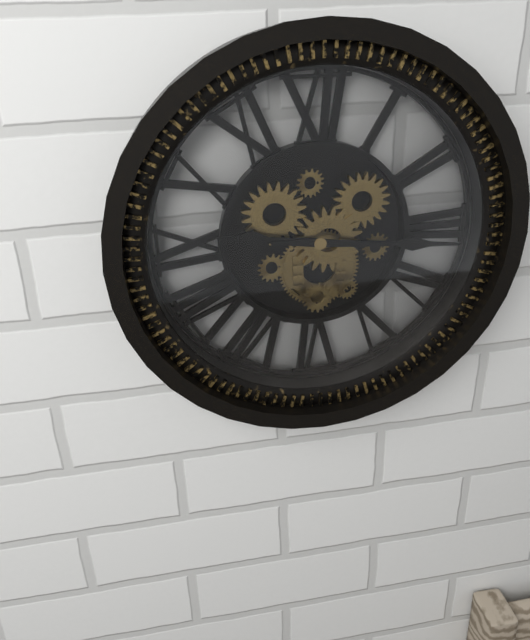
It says 9.16
